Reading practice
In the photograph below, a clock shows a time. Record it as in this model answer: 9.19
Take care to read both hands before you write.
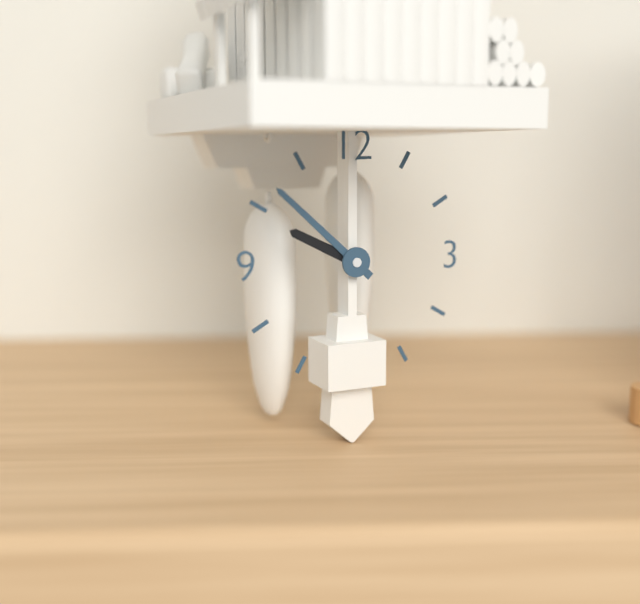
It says 9.52
